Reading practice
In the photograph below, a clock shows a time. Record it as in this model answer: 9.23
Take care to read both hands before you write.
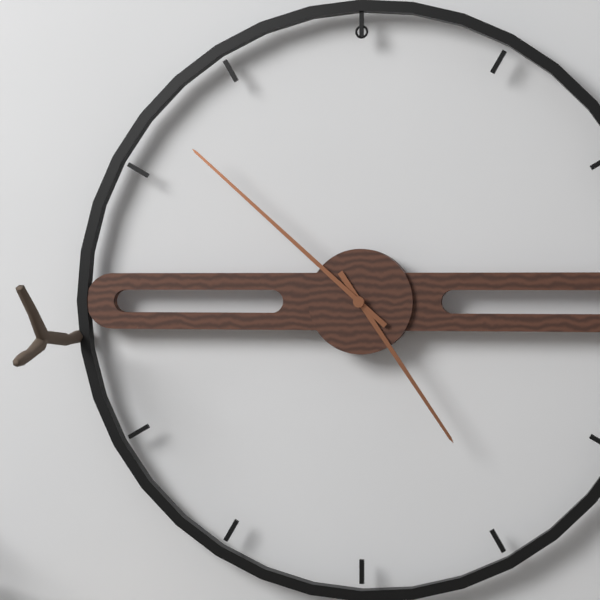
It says 4.52
